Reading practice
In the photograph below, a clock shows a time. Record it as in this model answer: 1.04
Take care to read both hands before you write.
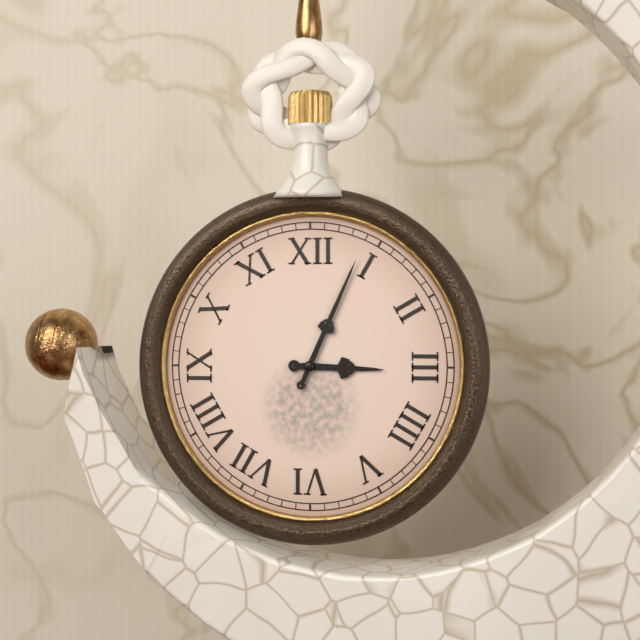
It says 3.04
